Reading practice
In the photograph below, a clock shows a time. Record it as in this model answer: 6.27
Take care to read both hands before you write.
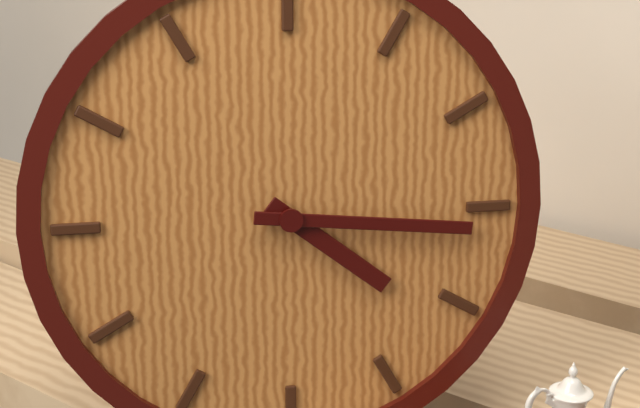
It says 4.16
